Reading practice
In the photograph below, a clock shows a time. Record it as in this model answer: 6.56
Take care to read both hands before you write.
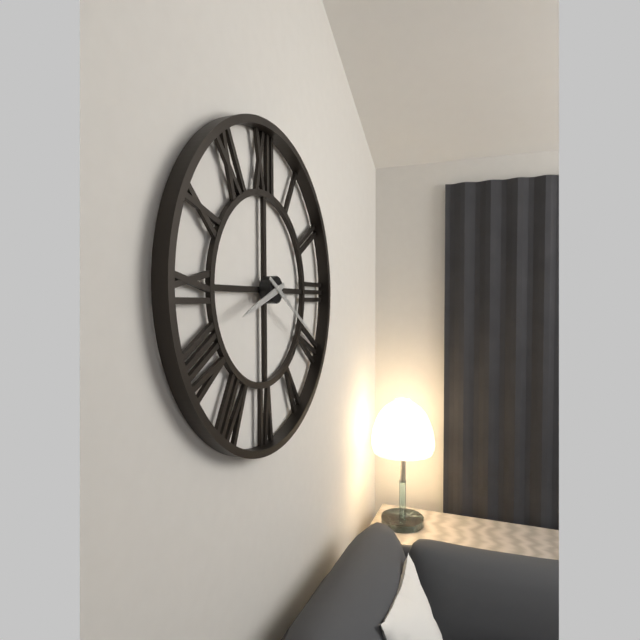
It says 8.20
